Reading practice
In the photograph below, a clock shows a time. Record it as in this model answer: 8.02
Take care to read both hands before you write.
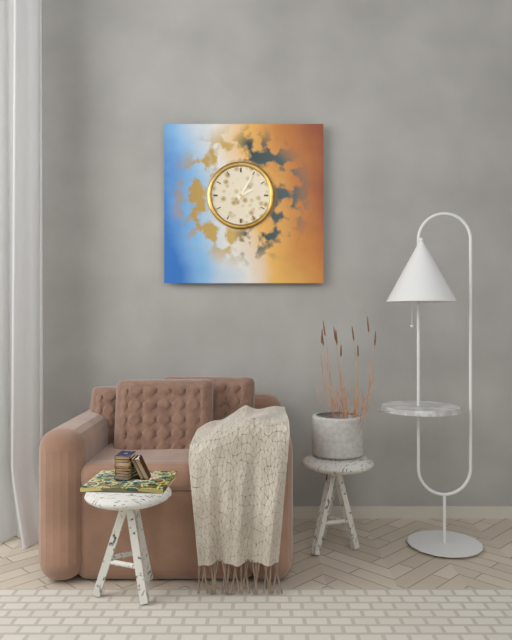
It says 2.05
